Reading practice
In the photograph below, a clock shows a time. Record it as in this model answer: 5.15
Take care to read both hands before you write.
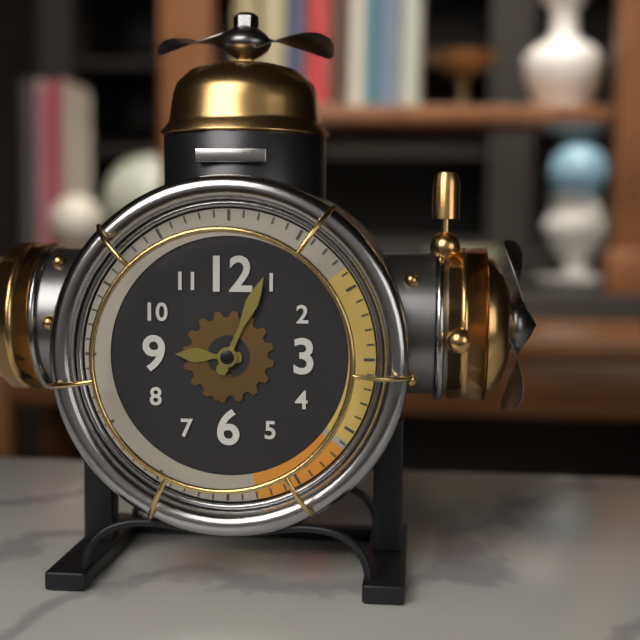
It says 9.04
